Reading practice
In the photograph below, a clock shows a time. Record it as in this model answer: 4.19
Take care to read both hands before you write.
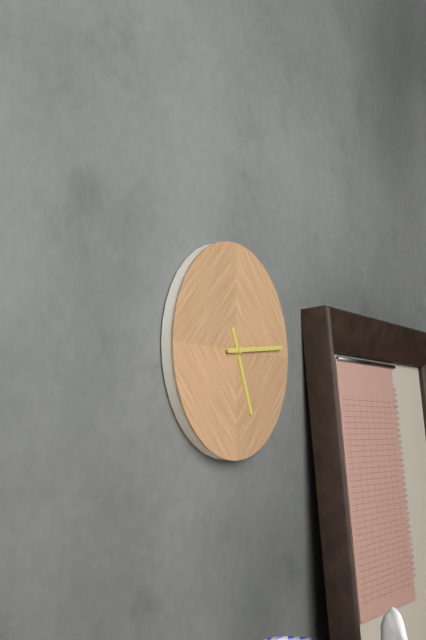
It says 5.14
